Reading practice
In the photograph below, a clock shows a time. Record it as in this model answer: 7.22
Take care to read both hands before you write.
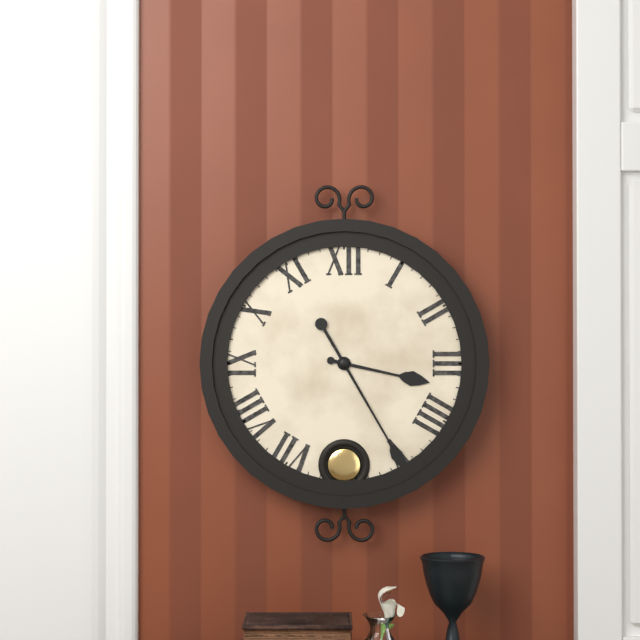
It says 3.25
